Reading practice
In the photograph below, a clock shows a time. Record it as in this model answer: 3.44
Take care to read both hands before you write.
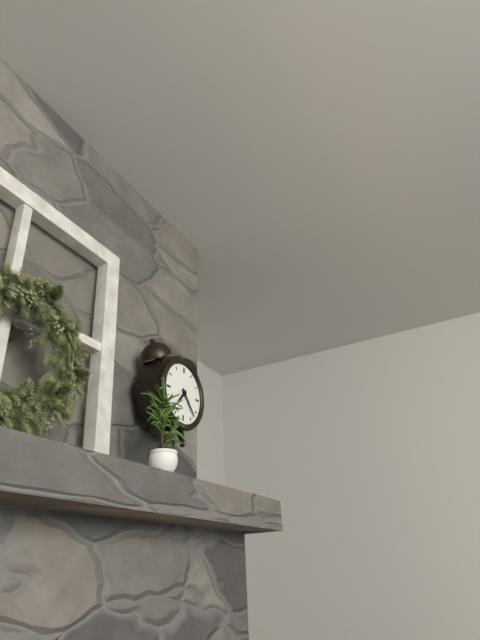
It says 7.23
